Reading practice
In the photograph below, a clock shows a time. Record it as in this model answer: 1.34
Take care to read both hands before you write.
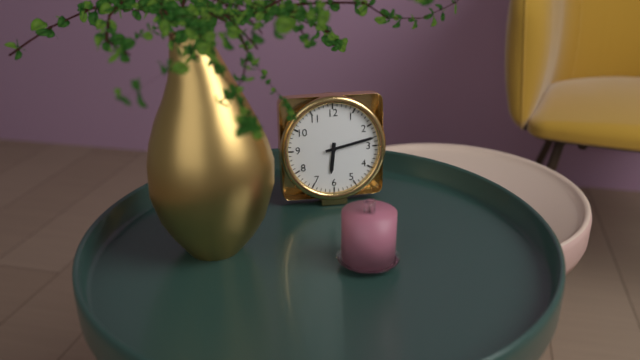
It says 6.13
